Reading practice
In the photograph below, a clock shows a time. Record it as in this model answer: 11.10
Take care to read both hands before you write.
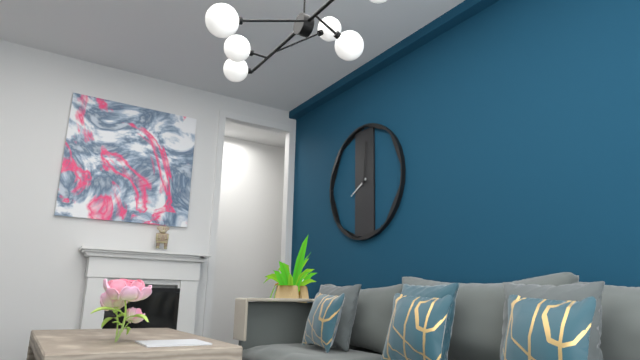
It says 8.01
